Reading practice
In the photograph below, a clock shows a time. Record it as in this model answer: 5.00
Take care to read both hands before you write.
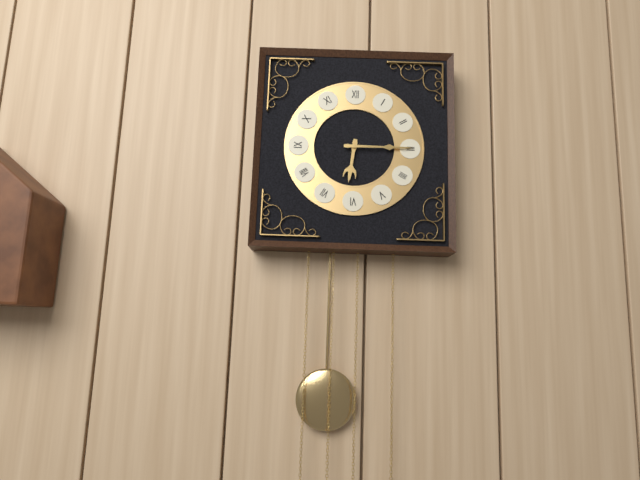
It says 6.15
